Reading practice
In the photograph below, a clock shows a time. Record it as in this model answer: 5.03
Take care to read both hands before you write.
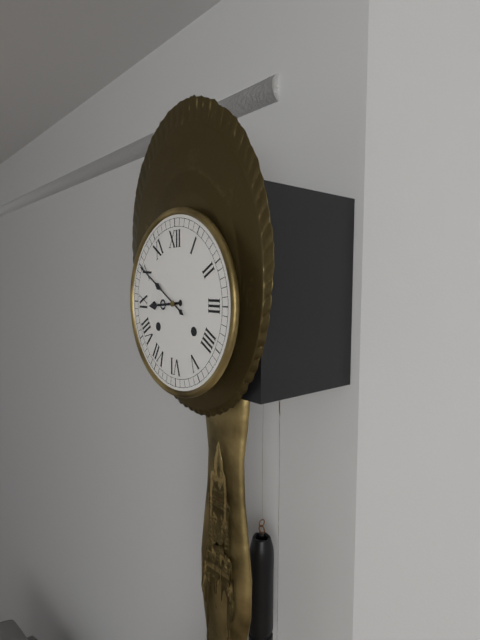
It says 8.50
